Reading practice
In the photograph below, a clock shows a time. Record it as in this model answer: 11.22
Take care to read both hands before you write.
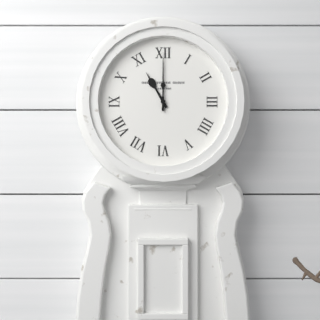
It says 11.00
